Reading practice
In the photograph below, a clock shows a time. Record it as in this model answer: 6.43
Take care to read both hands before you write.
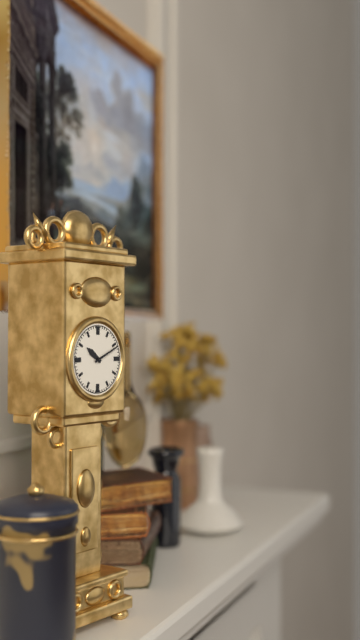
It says 10.11
